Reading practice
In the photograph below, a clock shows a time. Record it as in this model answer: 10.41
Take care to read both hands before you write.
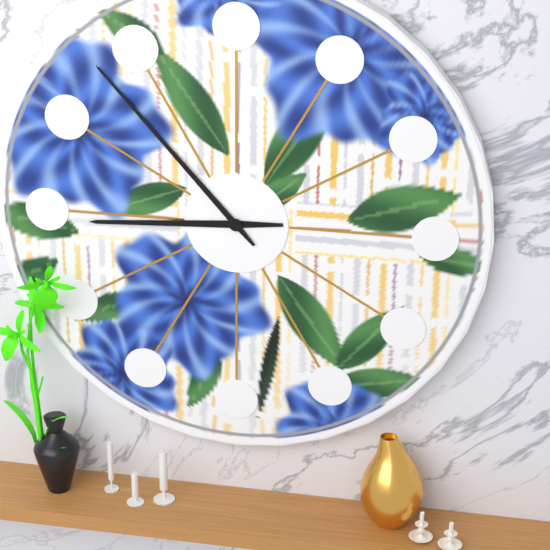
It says 8.53
